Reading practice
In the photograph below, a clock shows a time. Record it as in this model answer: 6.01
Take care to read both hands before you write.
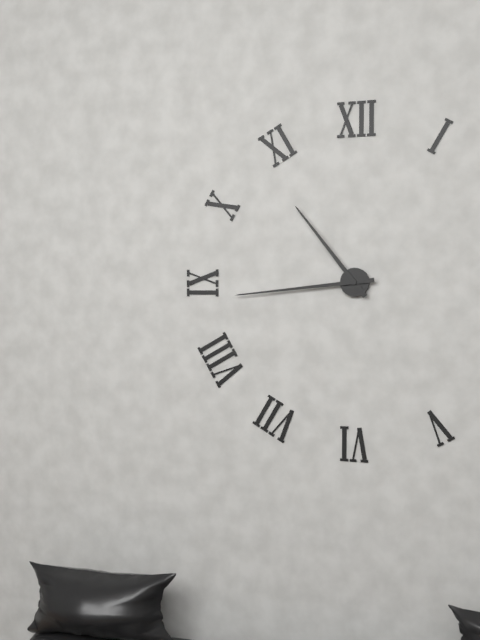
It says 10.44
